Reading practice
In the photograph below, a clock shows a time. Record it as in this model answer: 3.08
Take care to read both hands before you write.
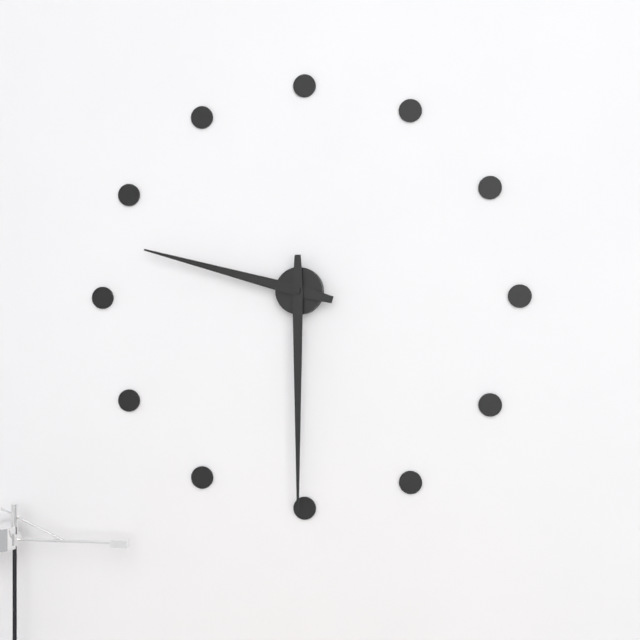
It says 9.30
